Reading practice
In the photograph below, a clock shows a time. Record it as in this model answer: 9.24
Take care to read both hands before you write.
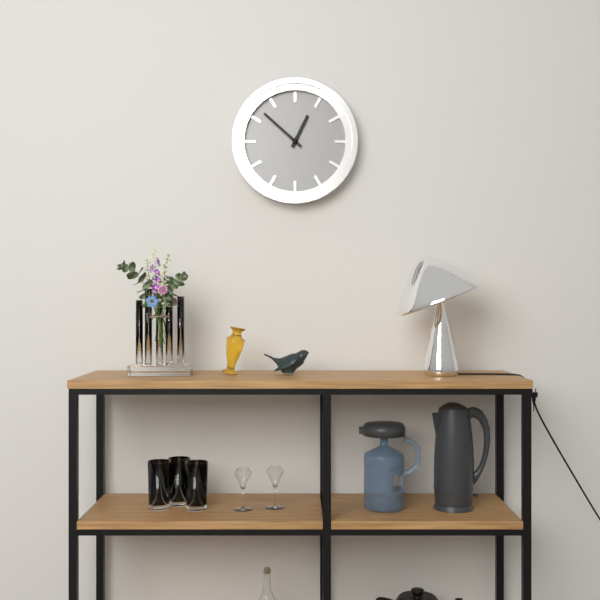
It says 12.52
